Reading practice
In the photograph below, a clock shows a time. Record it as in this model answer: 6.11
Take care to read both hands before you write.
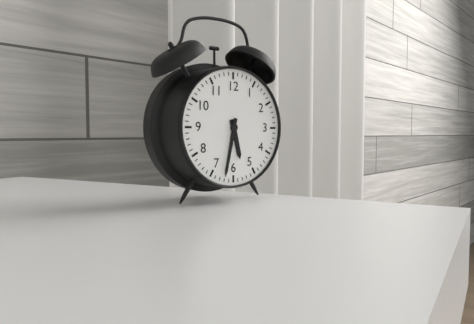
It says 5.32
